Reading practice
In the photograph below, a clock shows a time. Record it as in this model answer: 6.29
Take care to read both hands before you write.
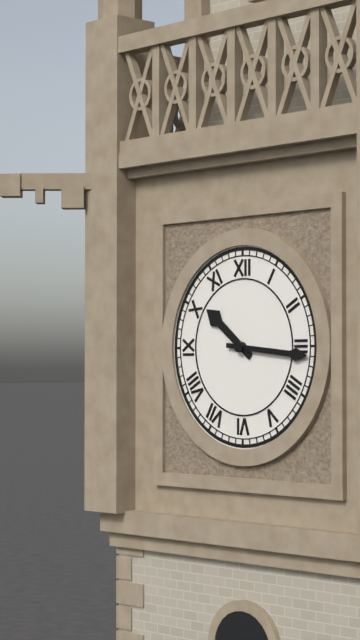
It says 10.16
